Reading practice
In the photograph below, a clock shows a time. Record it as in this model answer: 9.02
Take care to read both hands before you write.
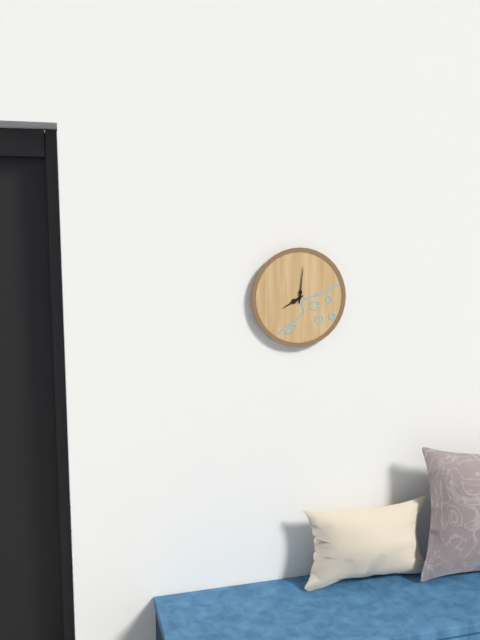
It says 8.01
